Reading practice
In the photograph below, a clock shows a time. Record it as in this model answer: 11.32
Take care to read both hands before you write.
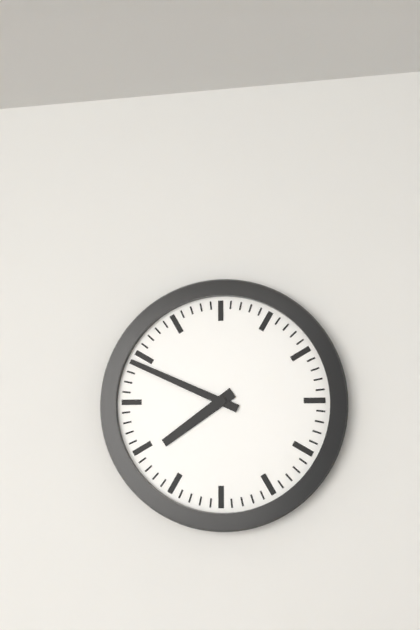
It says 7.49
